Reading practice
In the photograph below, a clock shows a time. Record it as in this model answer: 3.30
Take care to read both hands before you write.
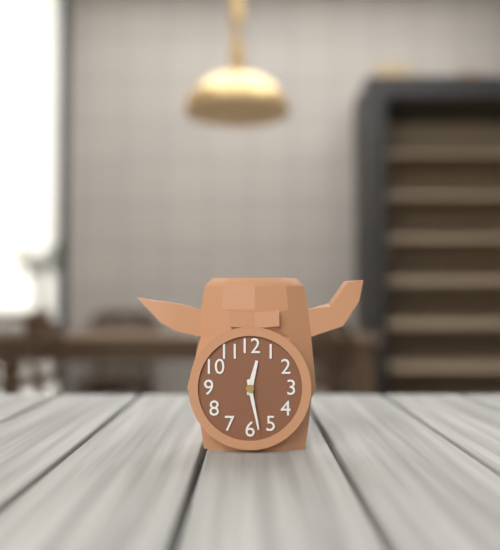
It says 12.28
